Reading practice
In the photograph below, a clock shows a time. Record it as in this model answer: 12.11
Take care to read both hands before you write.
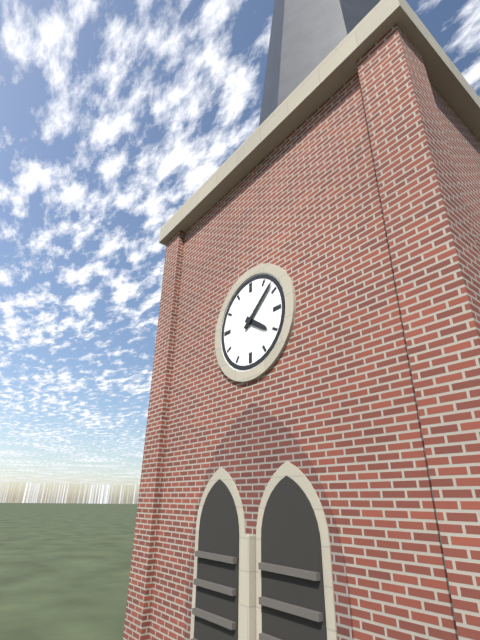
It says 4.08
